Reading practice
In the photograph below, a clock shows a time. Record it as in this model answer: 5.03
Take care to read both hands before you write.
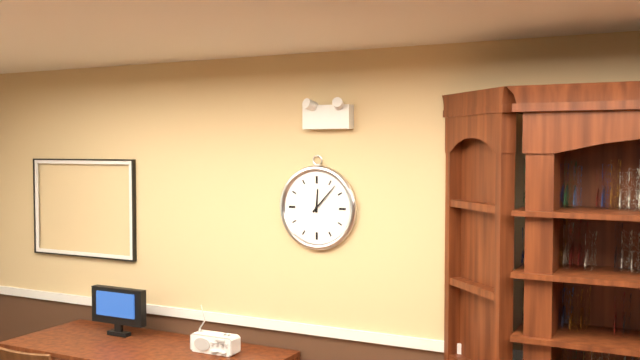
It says 12.07
